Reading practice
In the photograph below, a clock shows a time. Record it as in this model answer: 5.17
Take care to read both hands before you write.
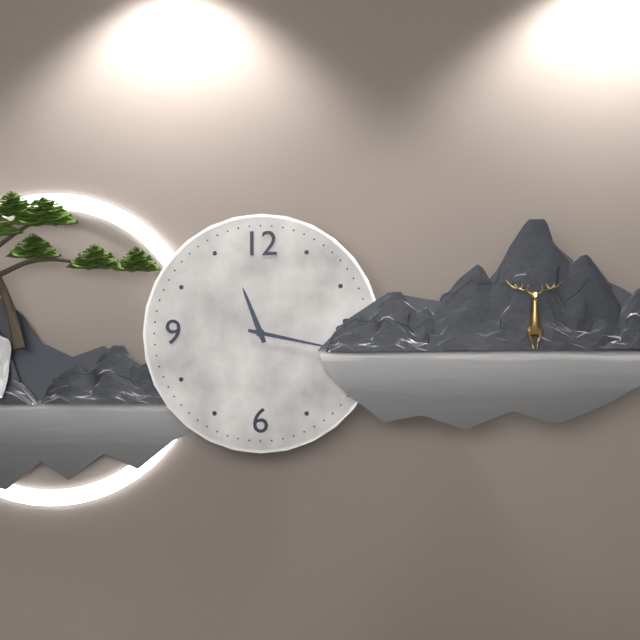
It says 11.17
